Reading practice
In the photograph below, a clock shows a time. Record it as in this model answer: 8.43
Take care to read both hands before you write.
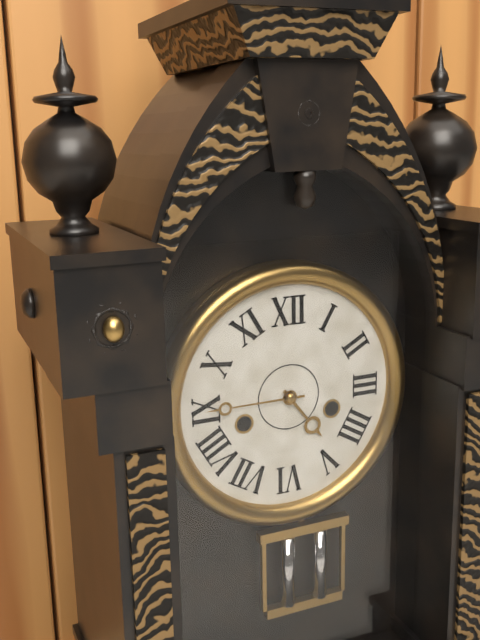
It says 4.45
